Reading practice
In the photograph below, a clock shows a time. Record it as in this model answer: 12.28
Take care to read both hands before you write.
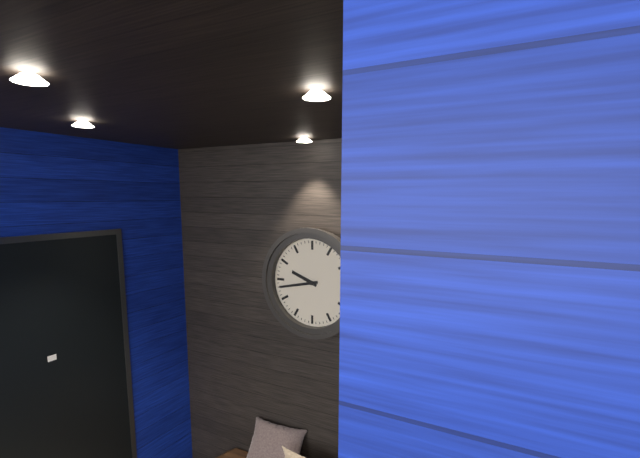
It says 9.43
